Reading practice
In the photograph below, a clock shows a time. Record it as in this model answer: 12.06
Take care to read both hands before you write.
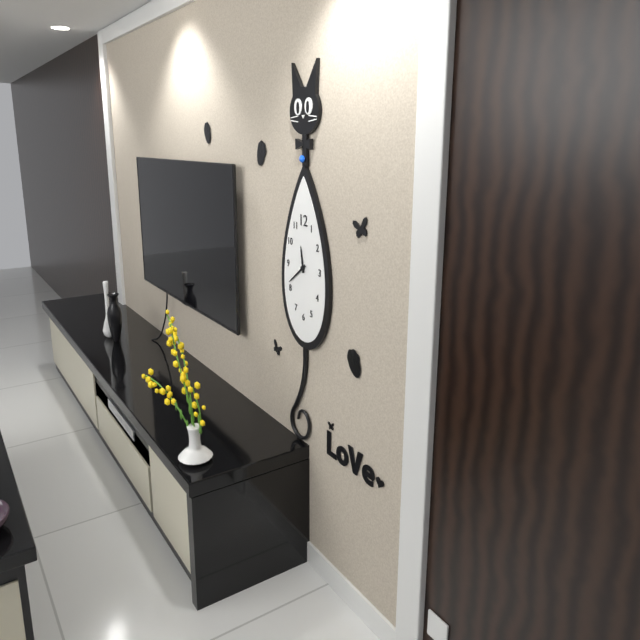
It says 11.39
